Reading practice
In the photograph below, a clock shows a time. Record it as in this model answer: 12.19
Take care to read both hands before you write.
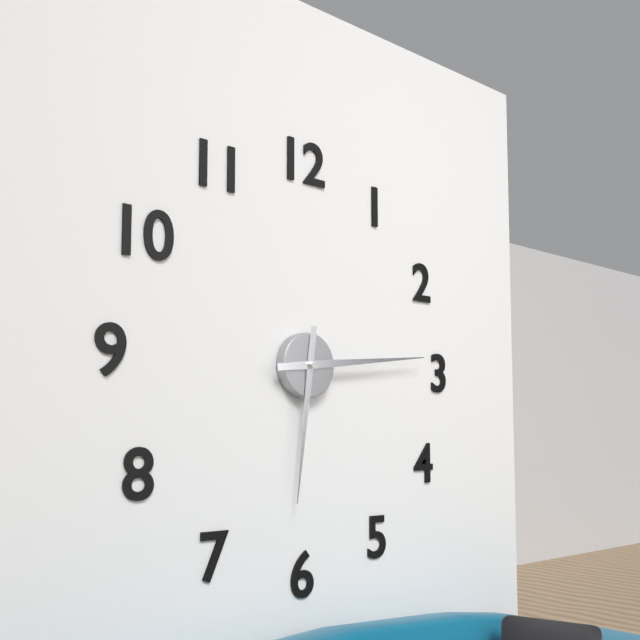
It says 6.14
